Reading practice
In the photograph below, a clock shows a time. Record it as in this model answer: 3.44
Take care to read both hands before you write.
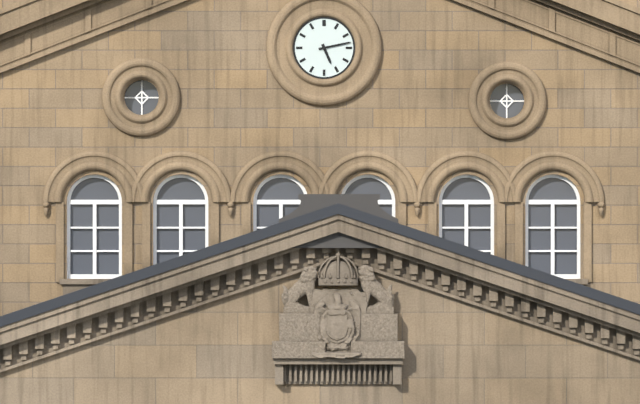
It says 5.13
